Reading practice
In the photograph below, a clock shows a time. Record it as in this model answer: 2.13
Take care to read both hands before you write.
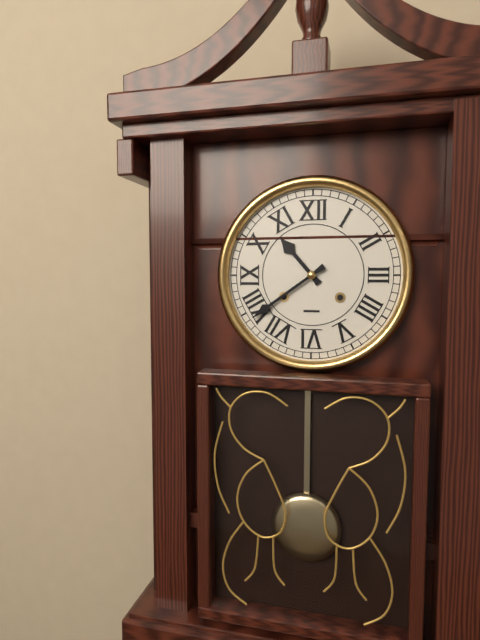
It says 10.39
